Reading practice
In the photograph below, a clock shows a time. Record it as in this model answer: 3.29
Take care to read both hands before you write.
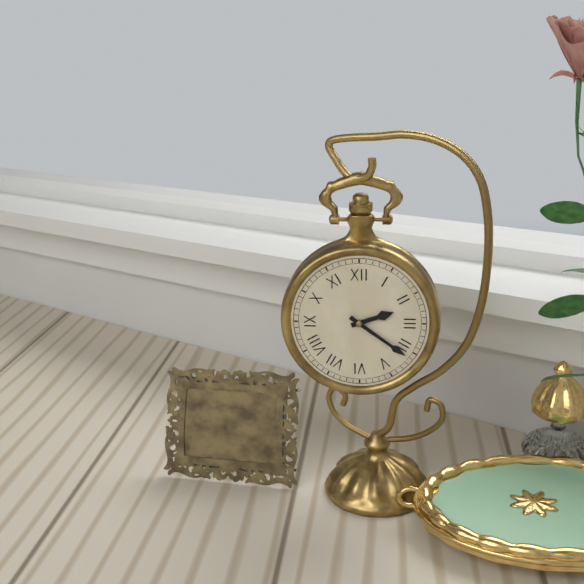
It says 2.21
